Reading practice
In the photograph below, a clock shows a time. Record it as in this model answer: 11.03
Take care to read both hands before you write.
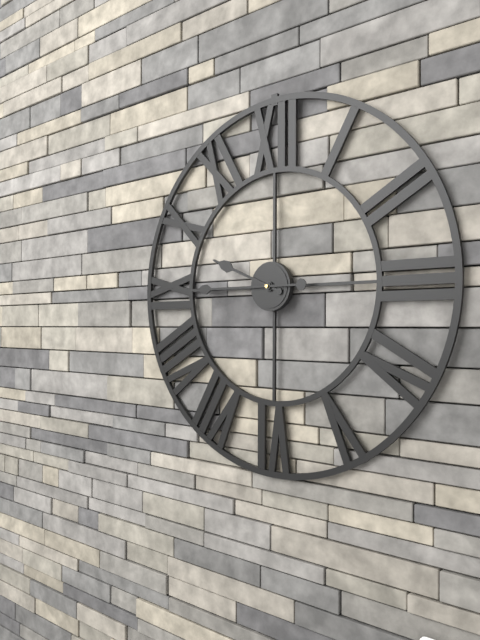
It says 9.45
